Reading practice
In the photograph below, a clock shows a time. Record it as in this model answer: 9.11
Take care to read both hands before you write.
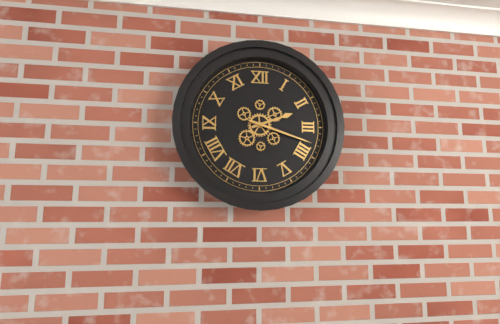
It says 2.18
